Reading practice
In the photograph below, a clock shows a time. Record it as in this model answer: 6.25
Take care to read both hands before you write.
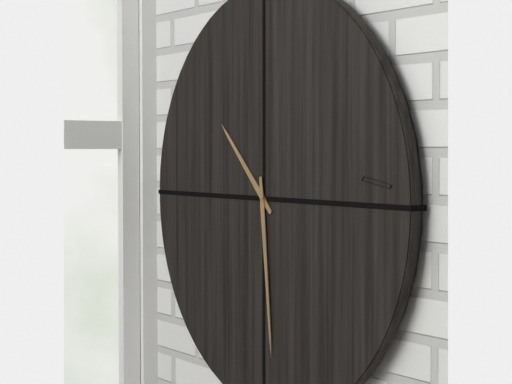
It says 10.29
